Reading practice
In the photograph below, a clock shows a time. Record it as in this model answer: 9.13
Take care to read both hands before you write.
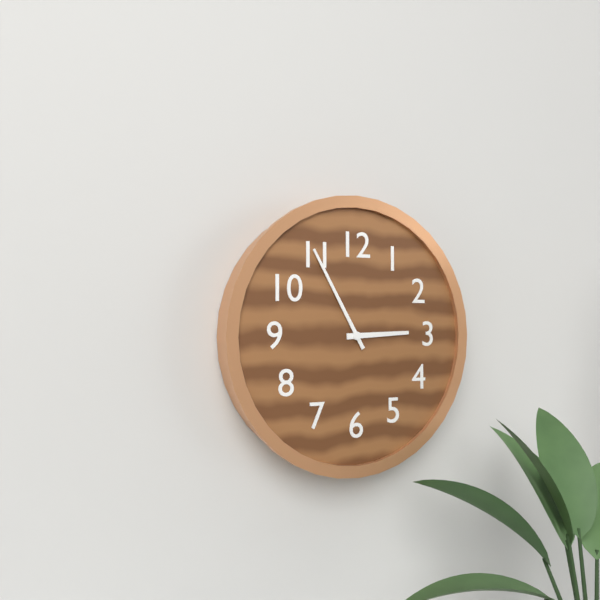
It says 2.55
